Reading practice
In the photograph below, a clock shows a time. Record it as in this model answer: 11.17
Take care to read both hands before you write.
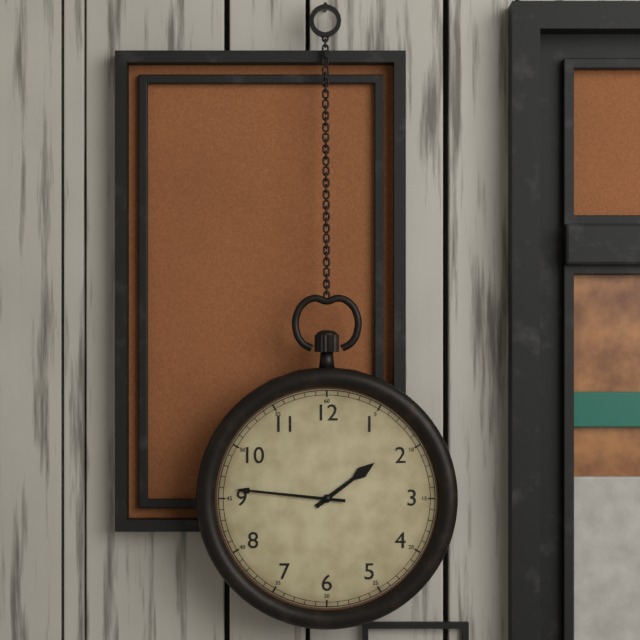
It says 1.46
